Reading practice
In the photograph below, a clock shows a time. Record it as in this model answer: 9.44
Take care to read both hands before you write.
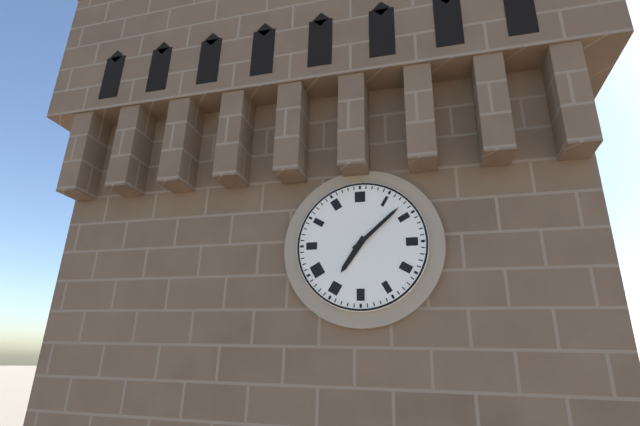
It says 7.08
